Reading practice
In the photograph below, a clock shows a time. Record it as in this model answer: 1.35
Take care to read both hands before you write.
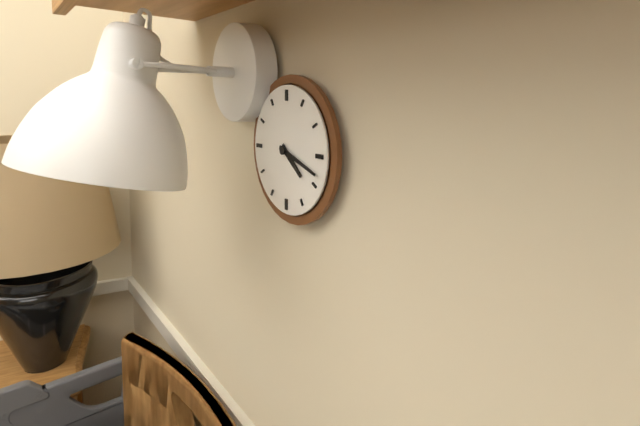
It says 4.18
